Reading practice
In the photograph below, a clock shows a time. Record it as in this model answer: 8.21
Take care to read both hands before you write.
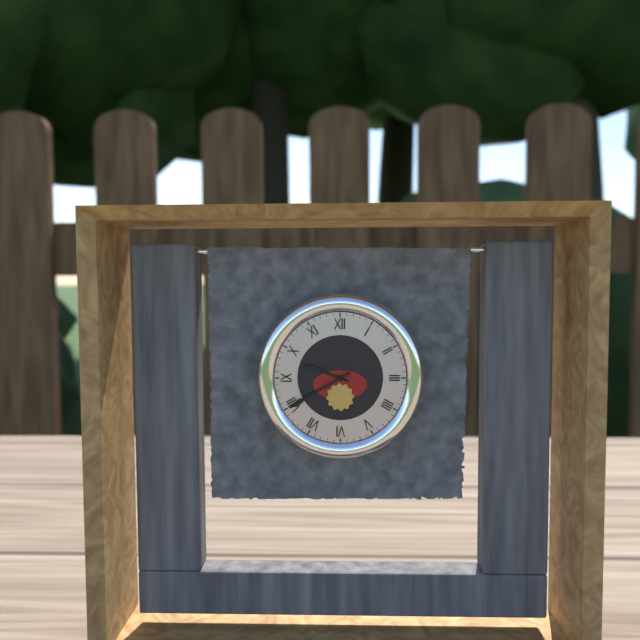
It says 9.40
